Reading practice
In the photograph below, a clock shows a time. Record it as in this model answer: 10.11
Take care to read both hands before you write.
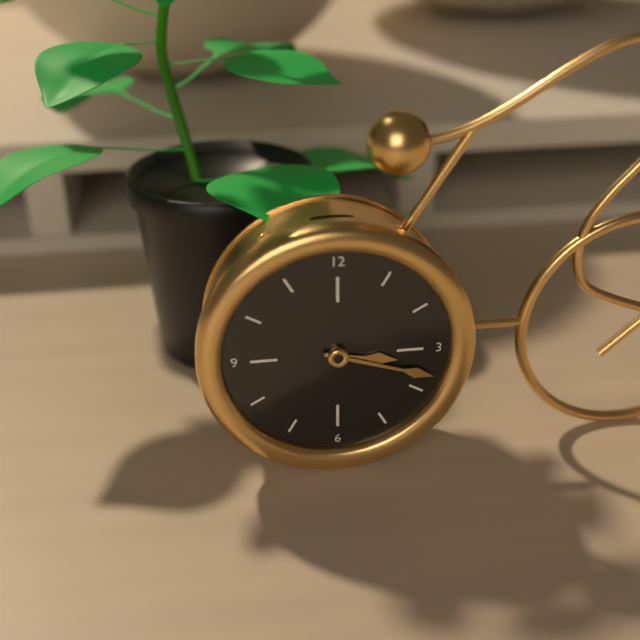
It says 3.18
